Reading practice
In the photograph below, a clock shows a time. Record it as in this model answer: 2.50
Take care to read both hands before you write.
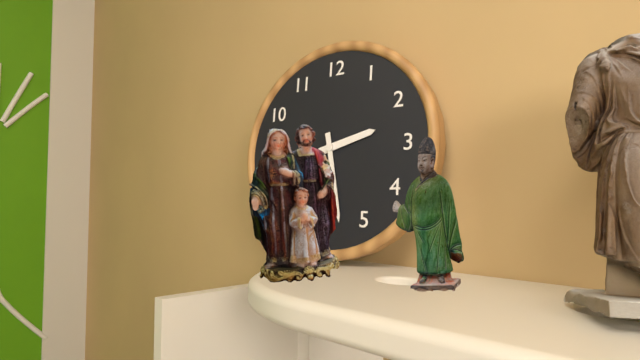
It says 2.28
